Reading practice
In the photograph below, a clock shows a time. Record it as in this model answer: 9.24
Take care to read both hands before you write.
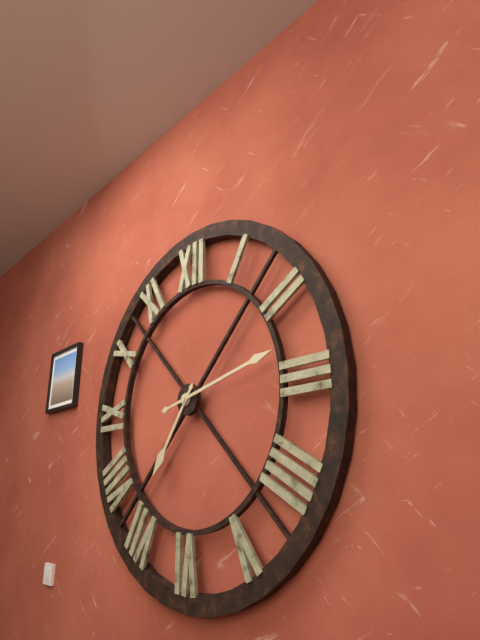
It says 7.13
